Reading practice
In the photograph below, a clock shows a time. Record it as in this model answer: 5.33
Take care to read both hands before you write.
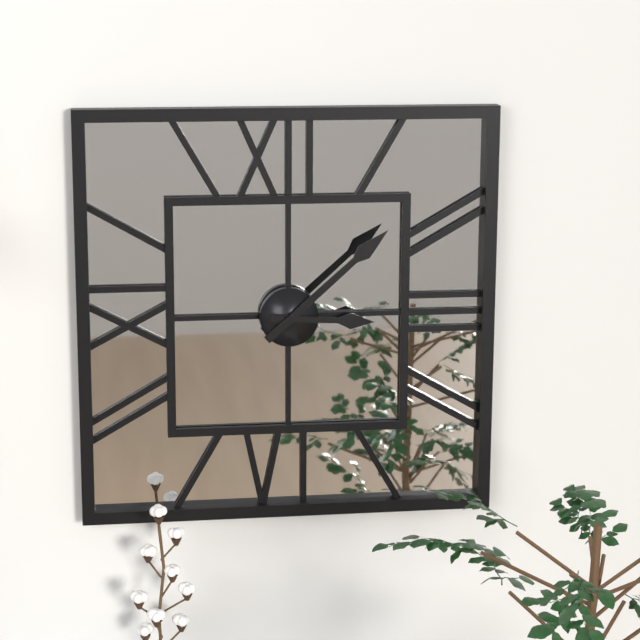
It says 3.08
